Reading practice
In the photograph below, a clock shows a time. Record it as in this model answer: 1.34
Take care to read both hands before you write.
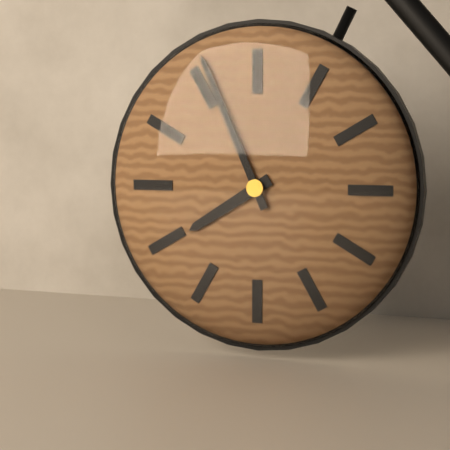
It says 7.56
